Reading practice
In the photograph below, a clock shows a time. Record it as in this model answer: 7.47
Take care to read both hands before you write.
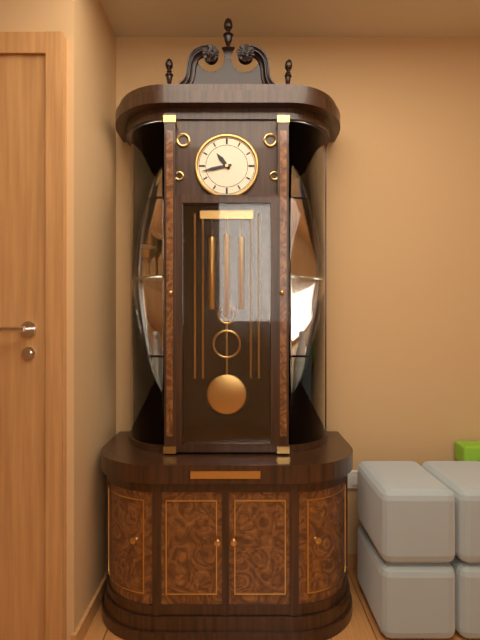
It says 10.43
